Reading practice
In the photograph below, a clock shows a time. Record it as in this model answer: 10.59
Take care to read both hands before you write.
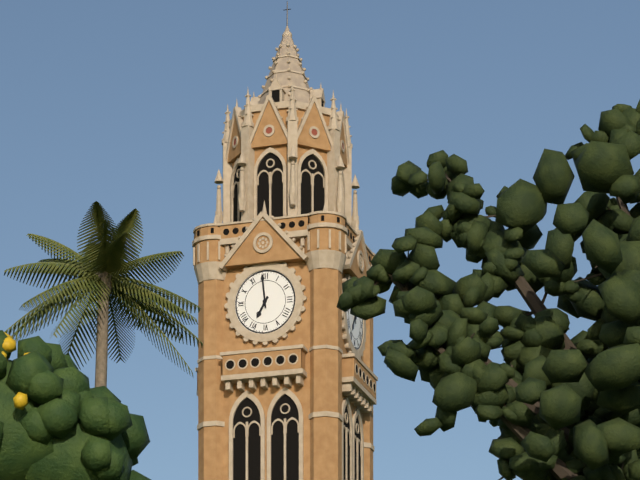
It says 6.59
